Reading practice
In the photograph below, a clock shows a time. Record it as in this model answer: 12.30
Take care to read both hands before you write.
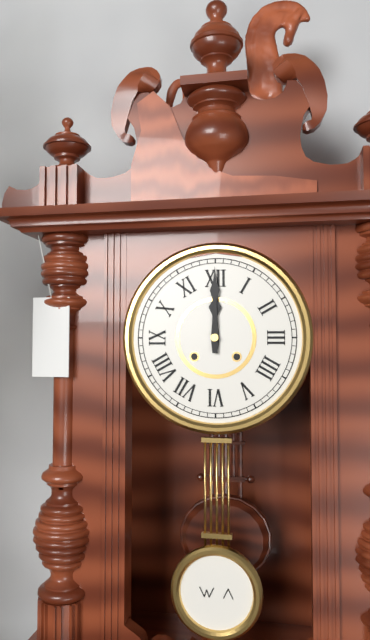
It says 12.00
